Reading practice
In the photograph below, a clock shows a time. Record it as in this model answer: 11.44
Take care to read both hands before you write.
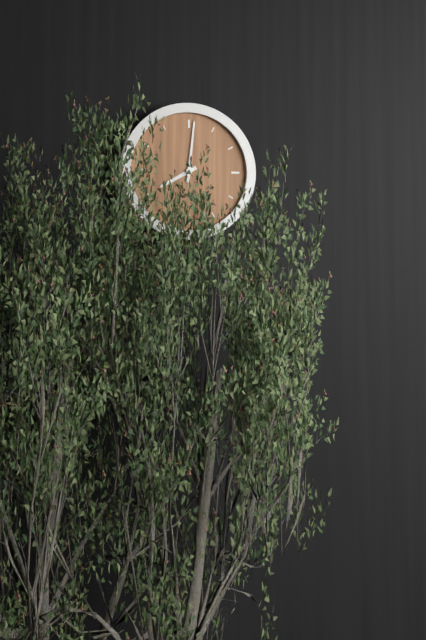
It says 8.01
